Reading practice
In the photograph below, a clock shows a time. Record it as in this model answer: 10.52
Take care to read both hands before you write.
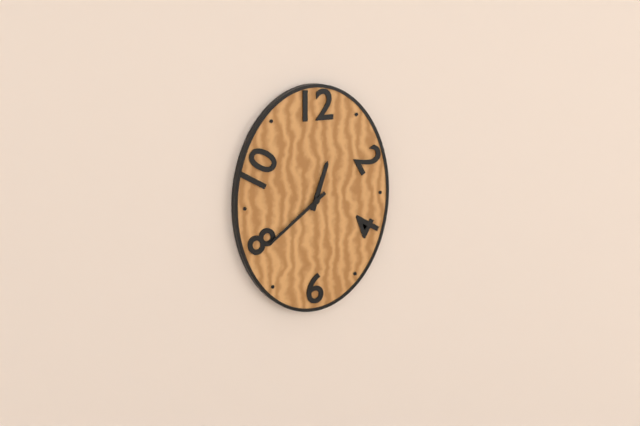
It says 12.39
